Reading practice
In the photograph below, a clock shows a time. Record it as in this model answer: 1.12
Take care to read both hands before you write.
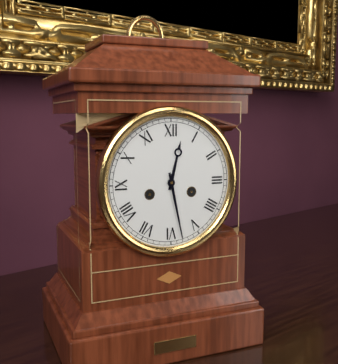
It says 12.28
